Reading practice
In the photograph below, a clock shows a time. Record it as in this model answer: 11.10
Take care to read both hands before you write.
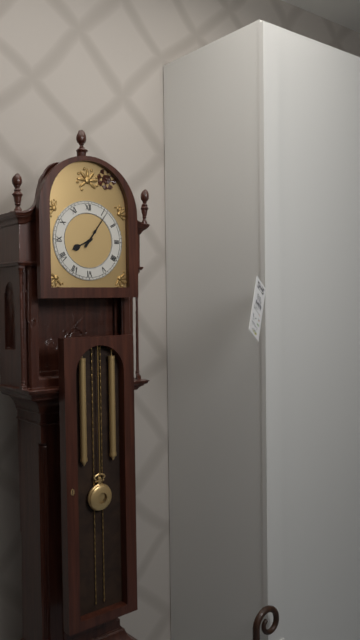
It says 8.06
